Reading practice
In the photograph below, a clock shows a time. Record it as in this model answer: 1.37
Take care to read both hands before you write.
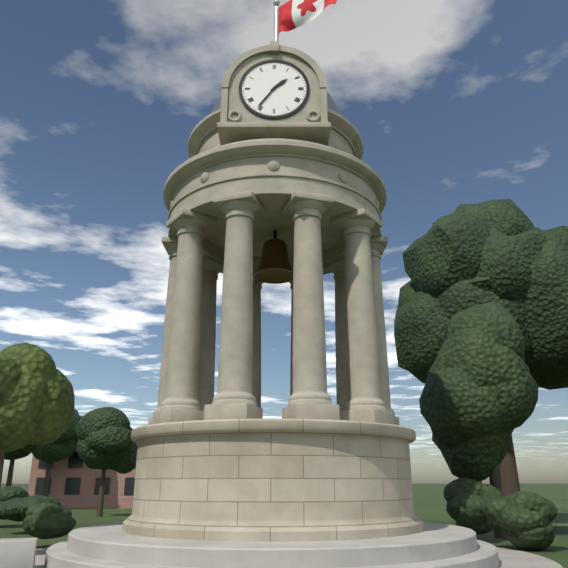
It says 1.36
